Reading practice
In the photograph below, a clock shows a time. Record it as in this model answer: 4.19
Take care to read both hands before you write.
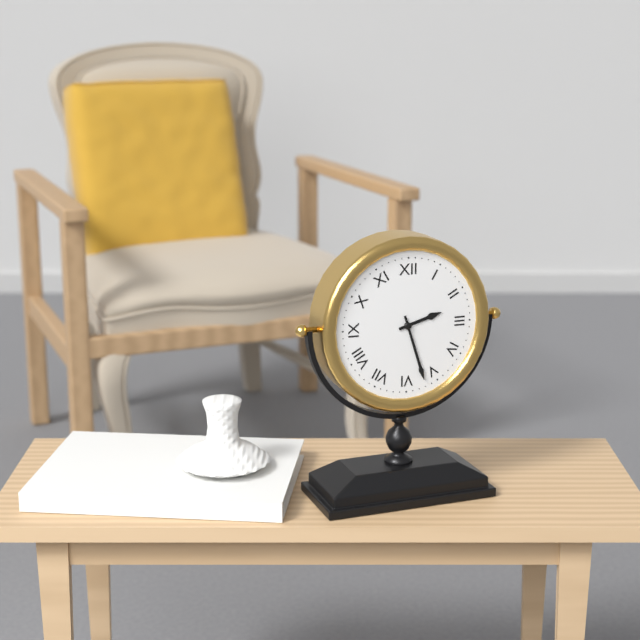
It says 2.27
